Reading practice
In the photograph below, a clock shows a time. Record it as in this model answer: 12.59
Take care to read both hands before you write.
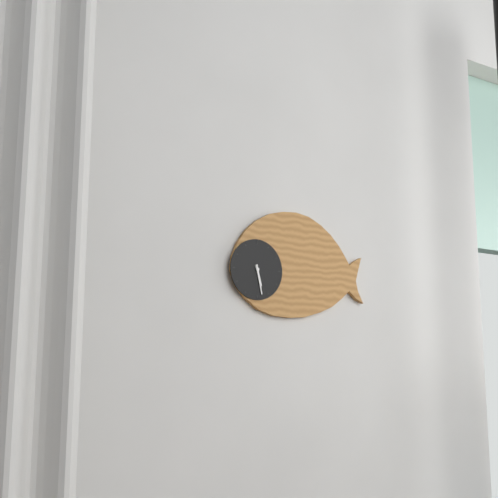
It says 5.28
